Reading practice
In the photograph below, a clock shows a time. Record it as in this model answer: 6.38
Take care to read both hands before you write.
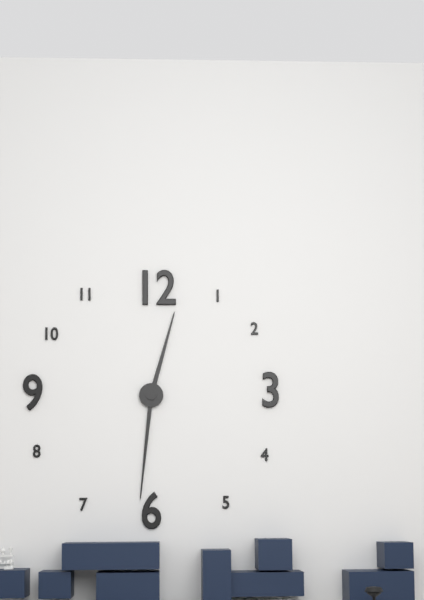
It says 12.31
